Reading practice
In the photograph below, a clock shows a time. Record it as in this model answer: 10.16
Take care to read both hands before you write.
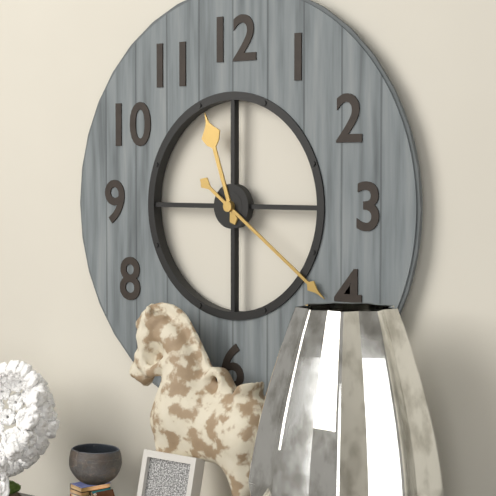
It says 11.21
